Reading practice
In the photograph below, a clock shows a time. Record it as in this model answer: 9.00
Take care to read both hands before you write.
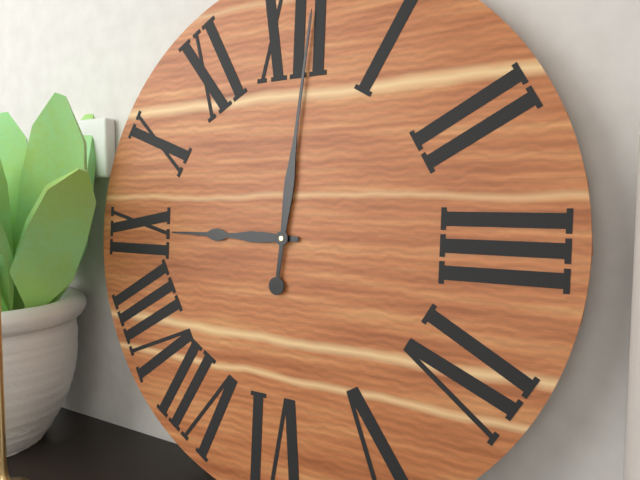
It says 9.01
